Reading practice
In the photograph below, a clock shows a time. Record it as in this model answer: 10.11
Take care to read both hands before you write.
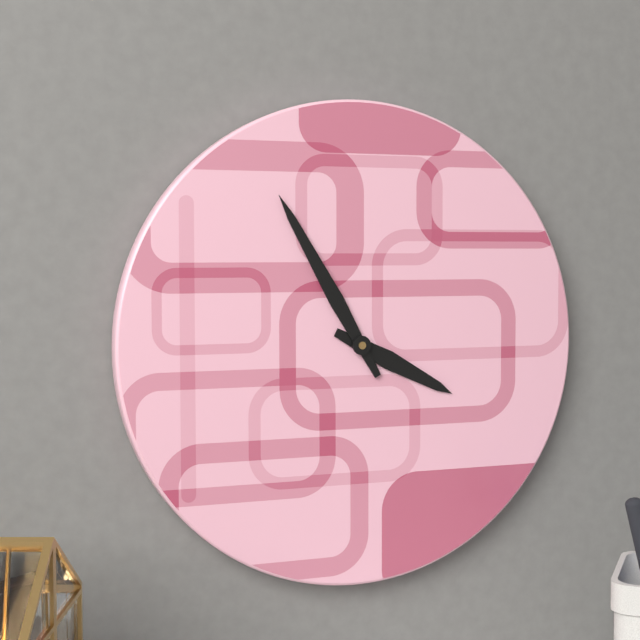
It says 3.55
